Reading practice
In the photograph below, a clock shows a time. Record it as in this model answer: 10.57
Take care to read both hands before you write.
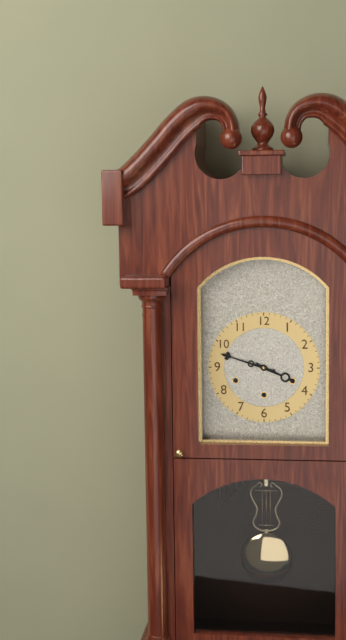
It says 3.48
